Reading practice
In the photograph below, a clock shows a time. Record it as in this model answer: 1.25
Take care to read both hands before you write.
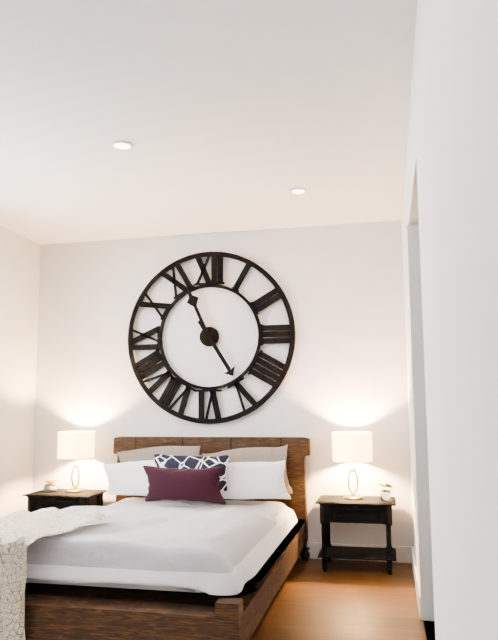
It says 4.56
